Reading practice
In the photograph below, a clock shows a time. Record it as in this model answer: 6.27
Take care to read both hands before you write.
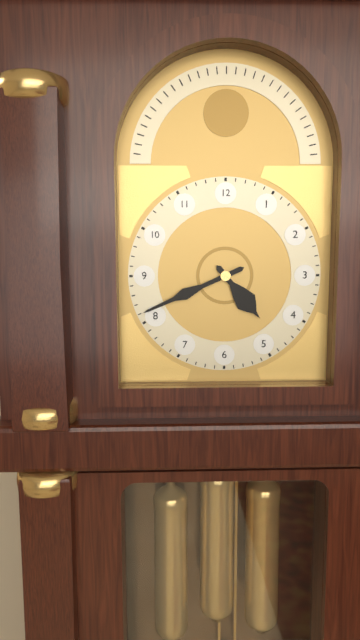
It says 4.41
